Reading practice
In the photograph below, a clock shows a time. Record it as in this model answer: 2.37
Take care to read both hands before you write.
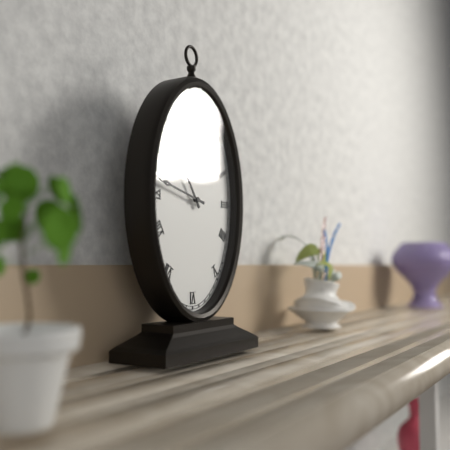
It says 10.47
